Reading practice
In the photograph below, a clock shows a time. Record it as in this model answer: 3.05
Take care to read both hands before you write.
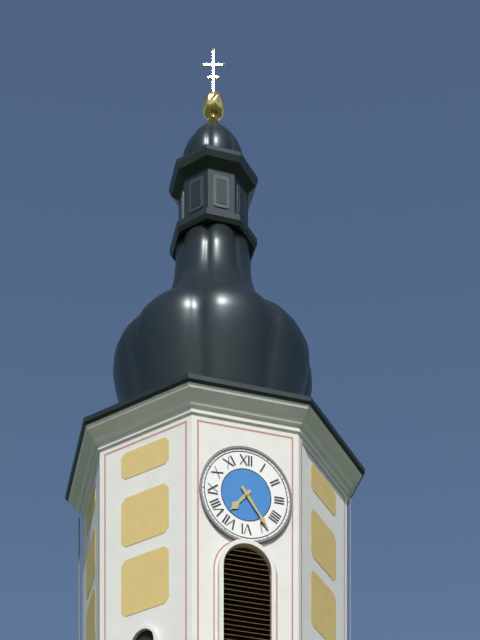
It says 7.24
